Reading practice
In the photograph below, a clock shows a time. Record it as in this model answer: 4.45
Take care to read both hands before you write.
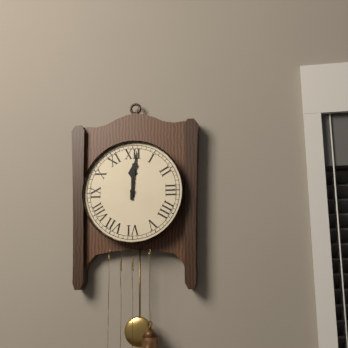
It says 12.01
